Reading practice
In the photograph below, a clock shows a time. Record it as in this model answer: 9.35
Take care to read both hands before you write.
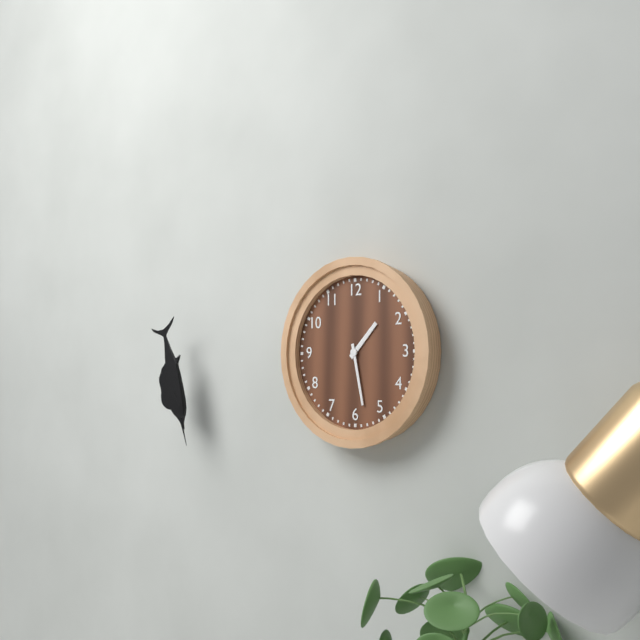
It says 1.28
